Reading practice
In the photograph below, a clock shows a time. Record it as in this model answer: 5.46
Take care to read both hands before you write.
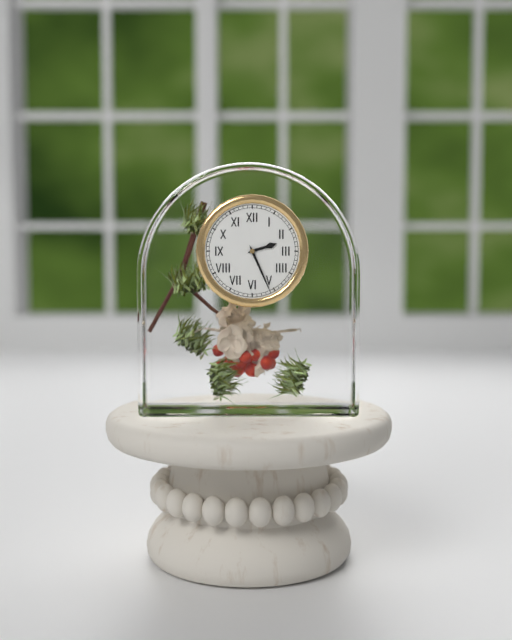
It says 2.26
